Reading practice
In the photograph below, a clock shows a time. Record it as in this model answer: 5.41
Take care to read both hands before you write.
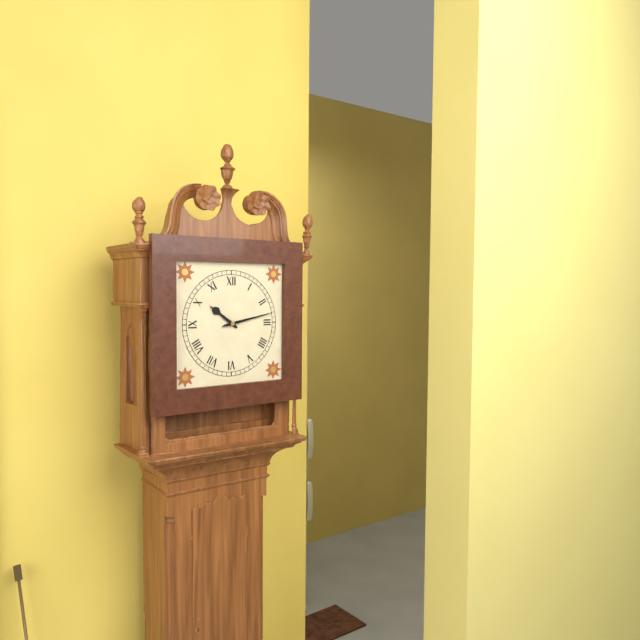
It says 10.13
